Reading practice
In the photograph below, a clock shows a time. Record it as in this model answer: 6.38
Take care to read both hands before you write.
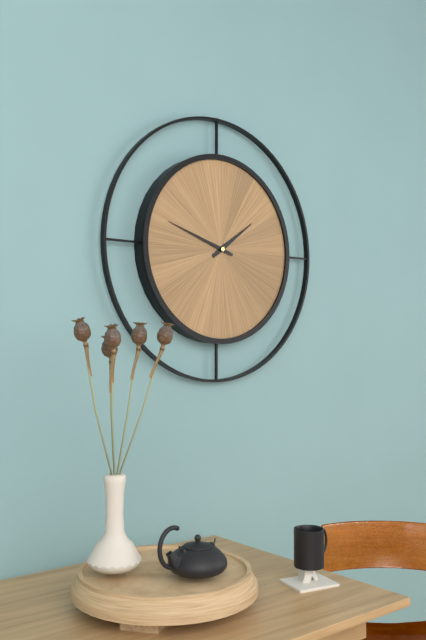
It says 1.48
